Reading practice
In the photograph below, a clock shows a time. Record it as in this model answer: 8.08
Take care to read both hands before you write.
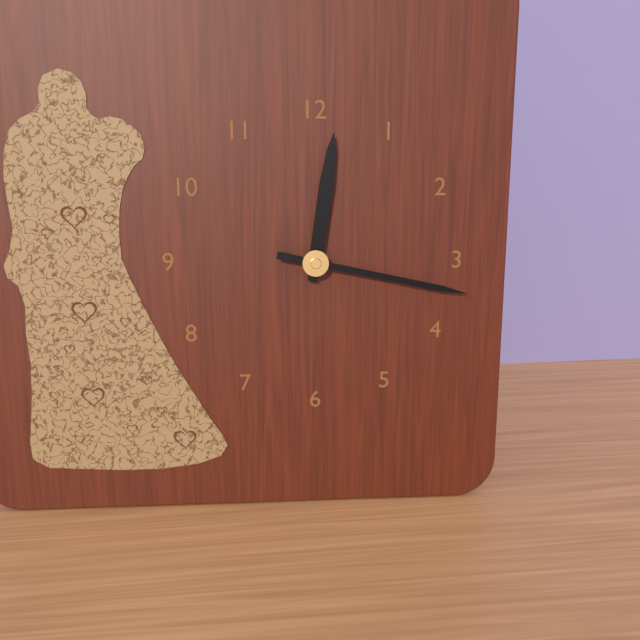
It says 12.17
